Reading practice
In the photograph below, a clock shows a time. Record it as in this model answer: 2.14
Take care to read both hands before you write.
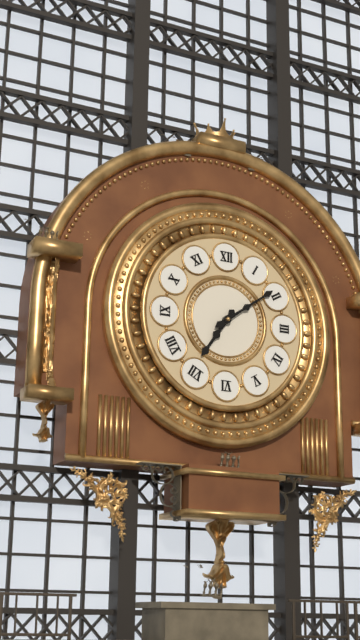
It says 7.09
